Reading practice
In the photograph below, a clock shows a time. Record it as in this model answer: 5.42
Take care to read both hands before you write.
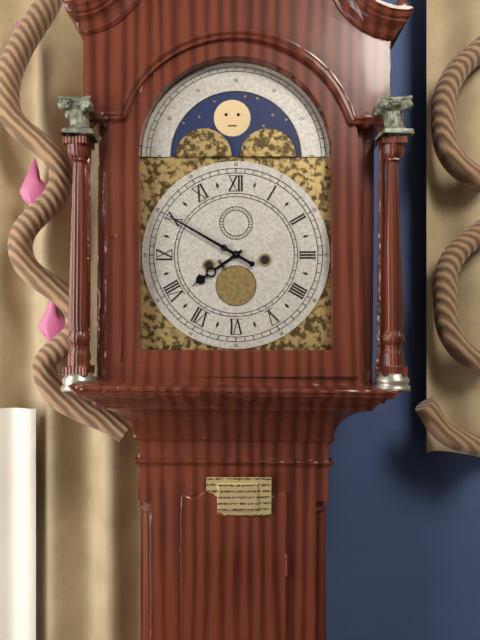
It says 7.50
